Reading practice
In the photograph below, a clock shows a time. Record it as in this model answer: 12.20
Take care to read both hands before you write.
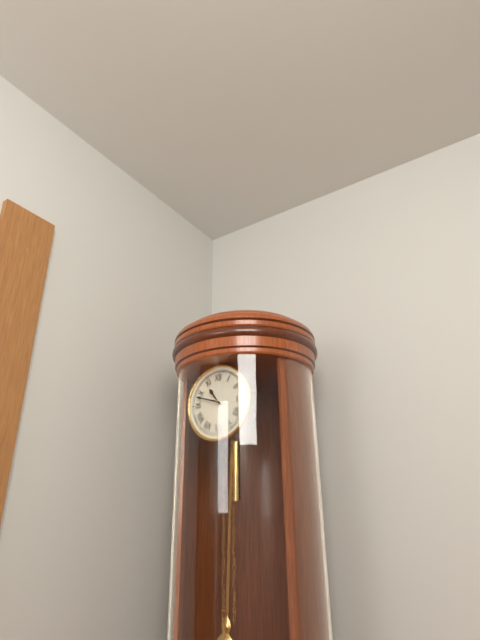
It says 10.48
